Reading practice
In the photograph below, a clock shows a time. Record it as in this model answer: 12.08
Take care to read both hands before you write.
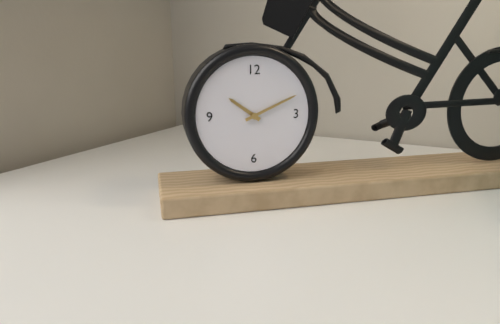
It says 10.11
